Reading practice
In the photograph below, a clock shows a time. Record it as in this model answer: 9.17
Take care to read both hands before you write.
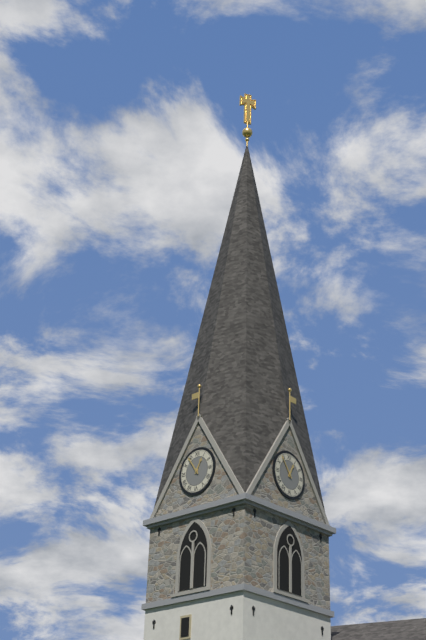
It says 12.54
